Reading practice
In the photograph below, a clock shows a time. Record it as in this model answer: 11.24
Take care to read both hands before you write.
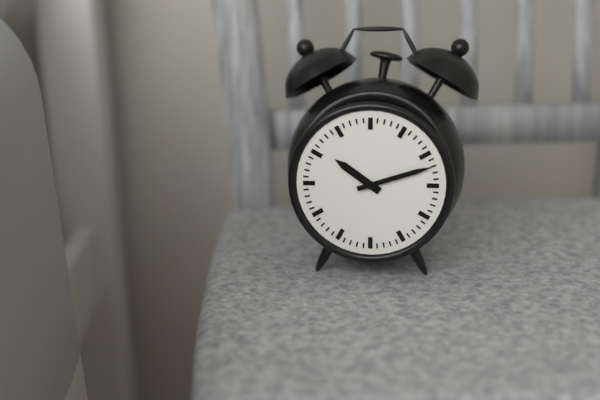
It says 10.12
